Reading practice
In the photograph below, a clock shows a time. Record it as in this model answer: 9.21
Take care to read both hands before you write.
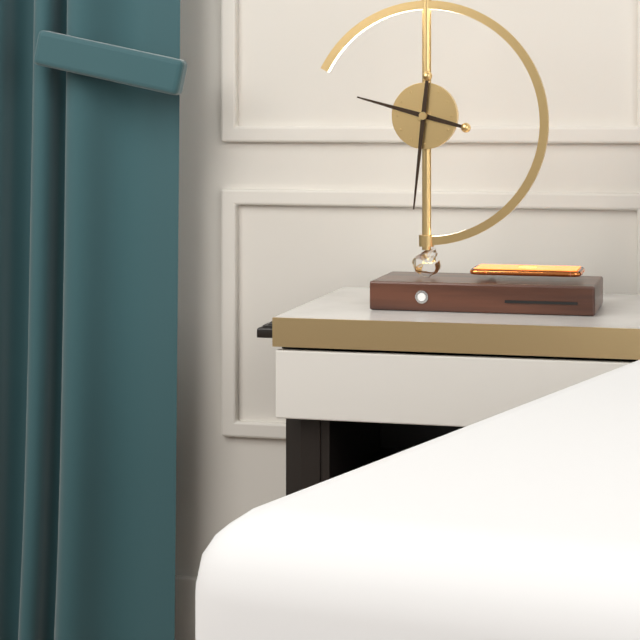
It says 9.31
